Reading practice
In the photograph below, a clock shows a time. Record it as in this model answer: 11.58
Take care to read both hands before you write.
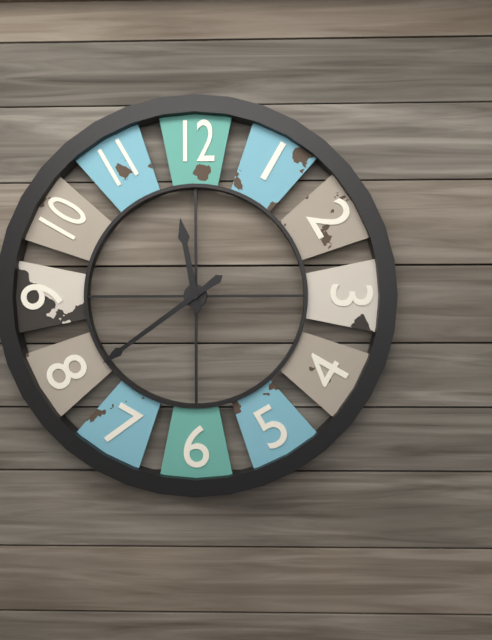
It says 11.39
